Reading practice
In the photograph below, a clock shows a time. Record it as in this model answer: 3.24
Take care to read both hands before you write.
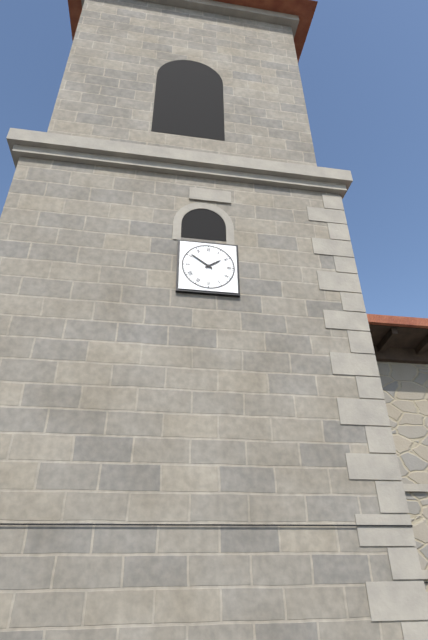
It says 1.51
